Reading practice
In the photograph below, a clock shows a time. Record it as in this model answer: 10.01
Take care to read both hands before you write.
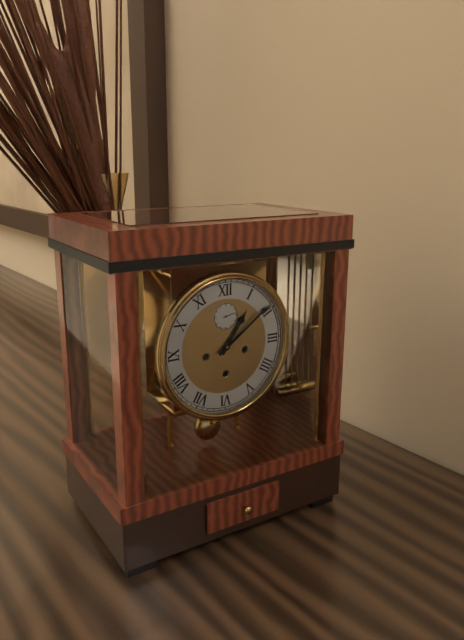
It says 1.09
